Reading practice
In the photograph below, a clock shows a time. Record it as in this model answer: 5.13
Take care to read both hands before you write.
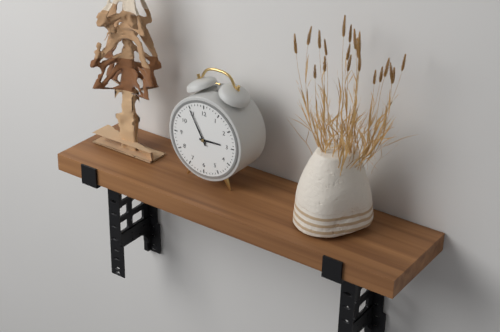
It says 2.55
